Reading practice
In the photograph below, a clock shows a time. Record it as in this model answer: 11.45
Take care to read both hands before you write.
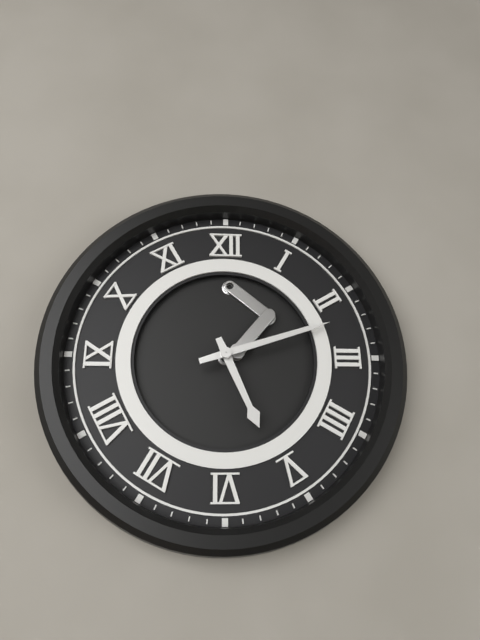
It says 5.12
